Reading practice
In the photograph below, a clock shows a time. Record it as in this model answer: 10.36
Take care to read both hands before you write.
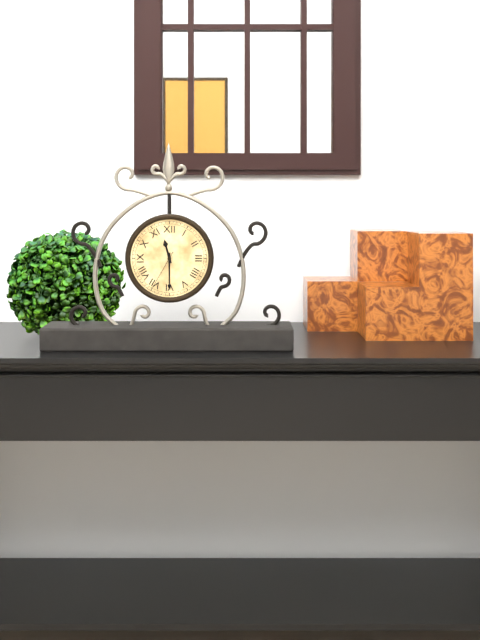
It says 11.30
